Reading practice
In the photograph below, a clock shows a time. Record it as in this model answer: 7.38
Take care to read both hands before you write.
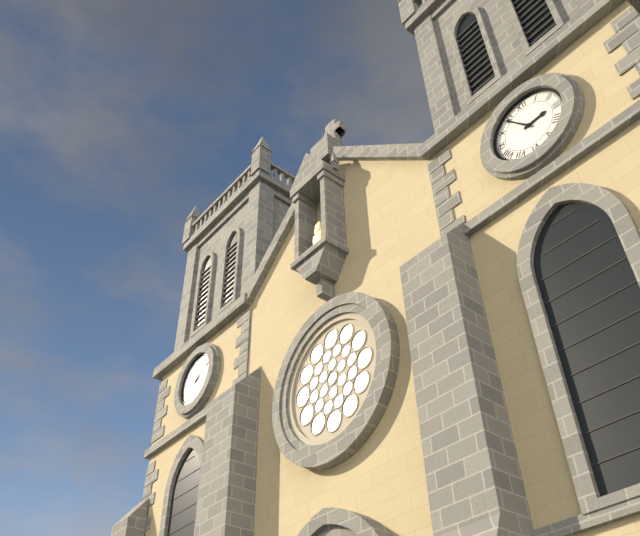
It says 2.54
